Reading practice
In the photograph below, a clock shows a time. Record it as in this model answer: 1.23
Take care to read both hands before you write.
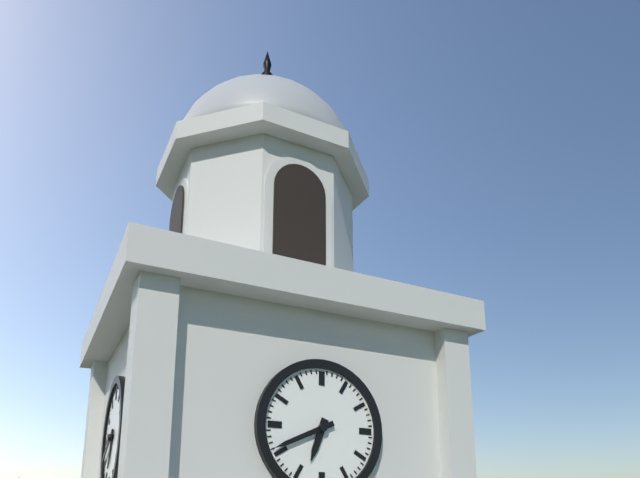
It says 6.41
